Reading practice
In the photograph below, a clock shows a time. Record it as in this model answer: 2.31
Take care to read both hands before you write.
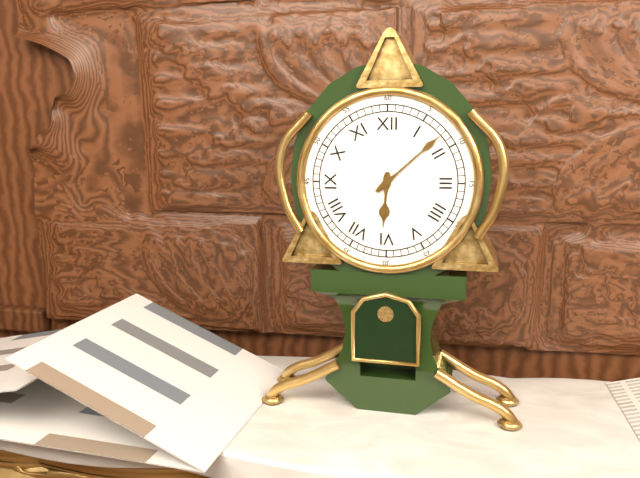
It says 6.08
